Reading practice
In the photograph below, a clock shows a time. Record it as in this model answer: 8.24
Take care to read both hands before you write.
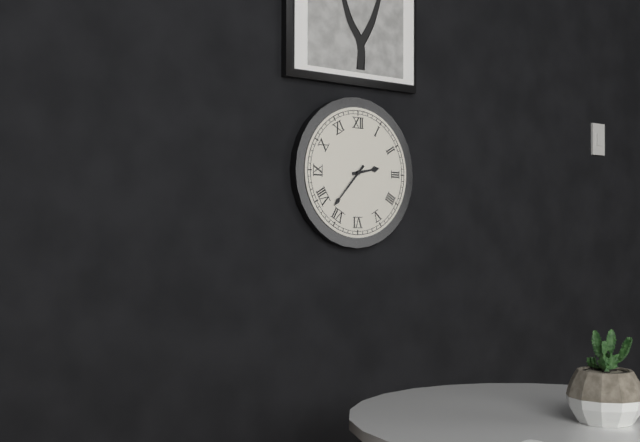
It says 2.37
